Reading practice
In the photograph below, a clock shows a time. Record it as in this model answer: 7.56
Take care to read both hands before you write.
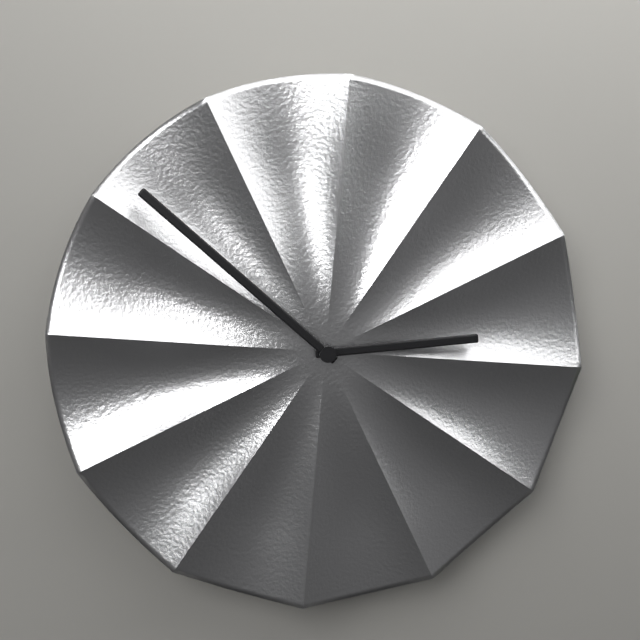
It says 2.52
